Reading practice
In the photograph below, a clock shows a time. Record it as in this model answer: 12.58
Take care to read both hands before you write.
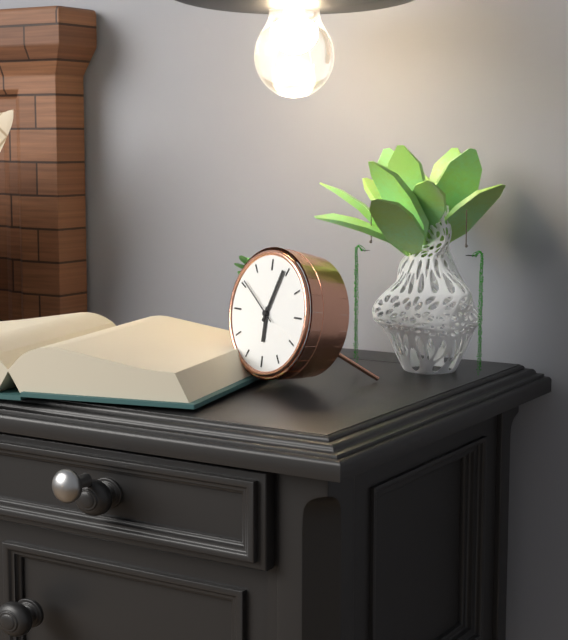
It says 6.04
